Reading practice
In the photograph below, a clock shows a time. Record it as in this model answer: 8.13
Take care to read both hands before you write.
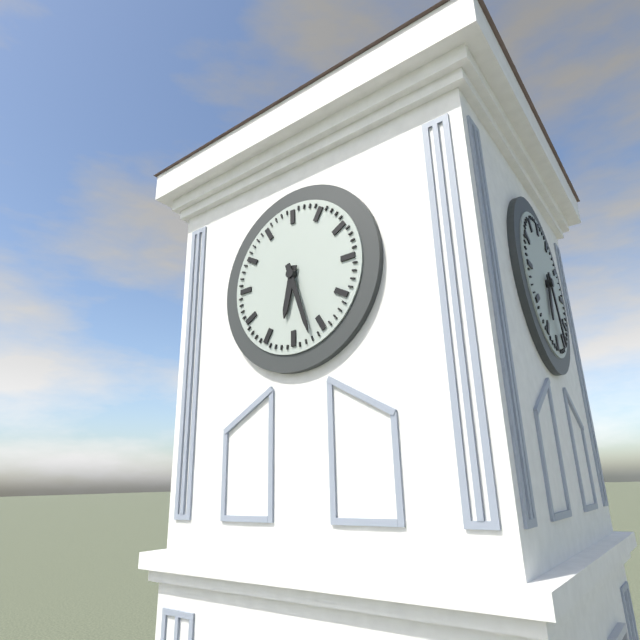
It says 6.27
